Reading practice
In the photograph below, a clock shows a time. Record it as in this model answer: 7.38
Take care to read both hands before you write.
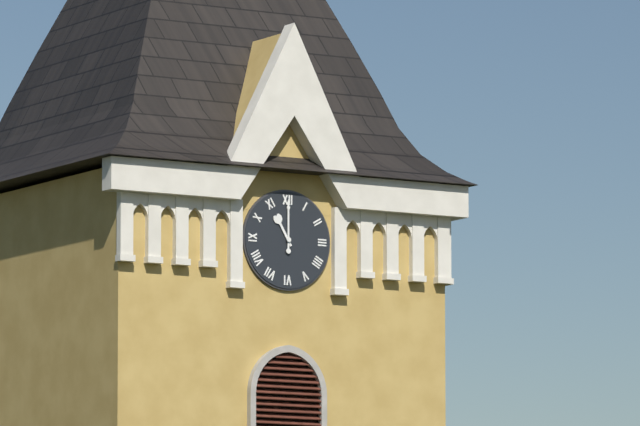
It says 11.00
